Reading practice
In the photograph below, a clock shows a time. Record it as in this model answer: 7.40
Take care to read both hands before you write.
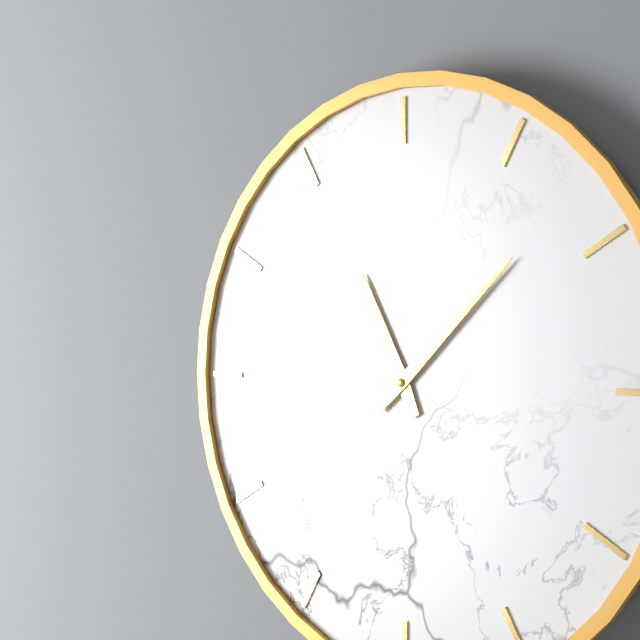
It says 11.08
